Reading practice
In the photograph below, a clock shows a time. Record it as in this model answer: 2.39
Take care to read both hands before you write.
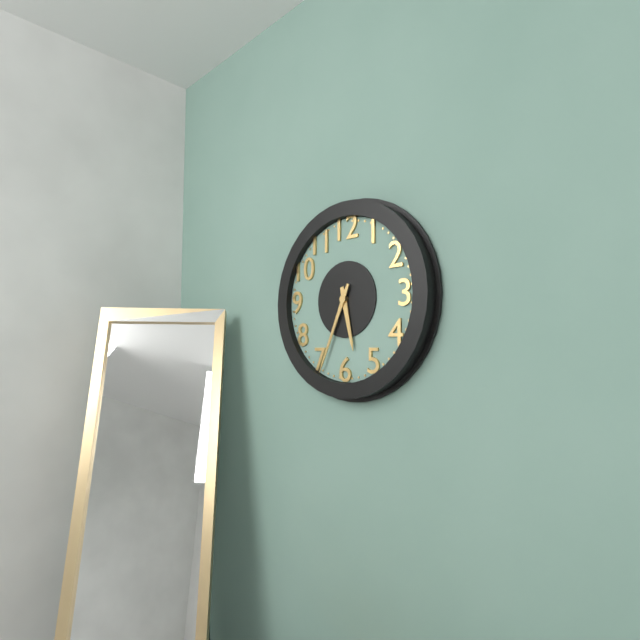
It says 5.34
